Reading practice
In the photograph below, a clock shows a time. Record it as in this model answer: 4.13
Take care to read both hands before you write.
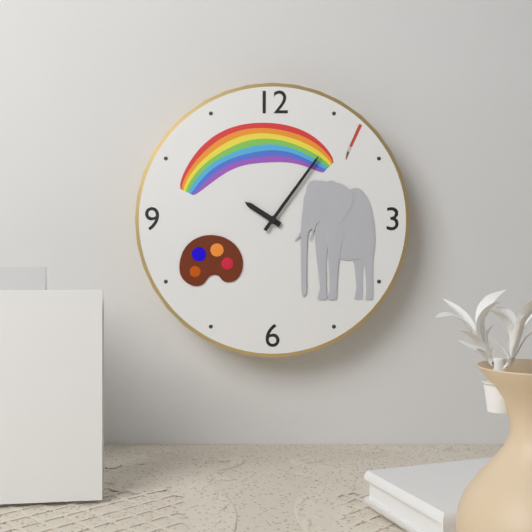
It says 10.06
